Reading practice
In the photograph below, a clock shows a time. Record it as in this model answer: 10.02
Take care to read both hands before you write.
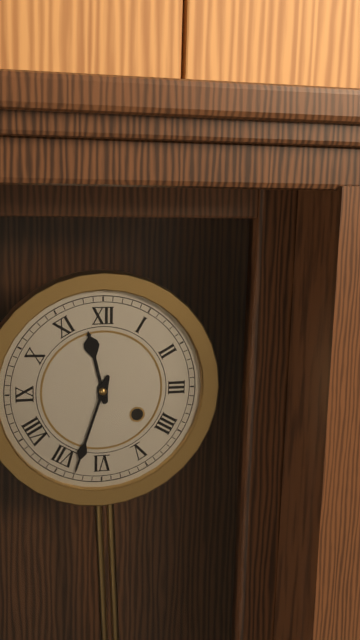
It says 11.33
